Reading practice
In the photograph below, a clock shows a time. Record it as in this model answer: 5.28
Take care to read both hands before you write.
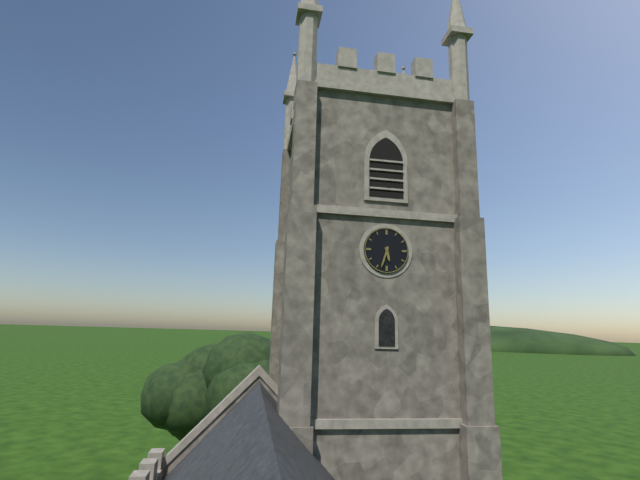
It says 5.33
